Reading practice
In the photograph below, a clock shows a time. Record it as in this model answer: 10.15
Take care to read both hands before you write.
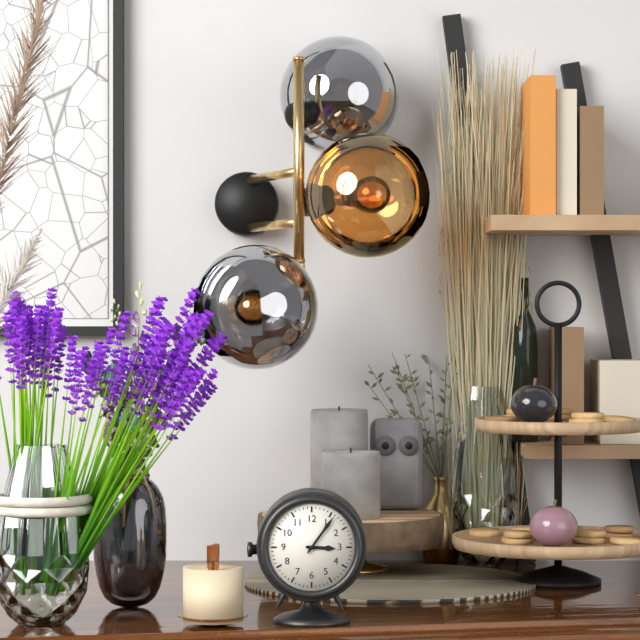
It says 3.06
